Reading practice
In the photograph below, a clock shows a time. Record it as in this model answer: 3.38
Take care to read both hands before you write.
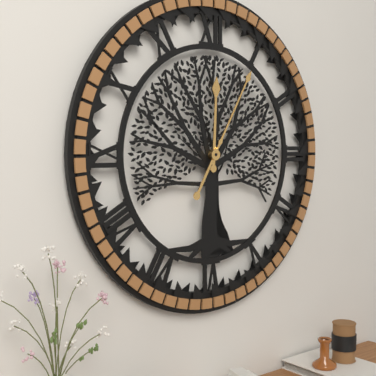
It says 12.05
